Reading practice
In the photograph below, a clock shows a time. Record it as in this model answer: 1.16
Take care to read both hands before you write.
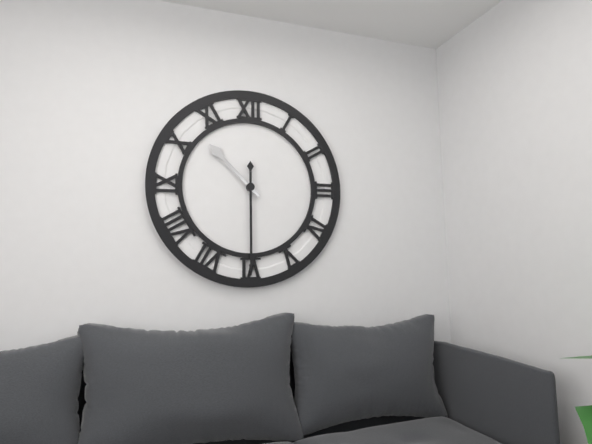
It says 10.30
